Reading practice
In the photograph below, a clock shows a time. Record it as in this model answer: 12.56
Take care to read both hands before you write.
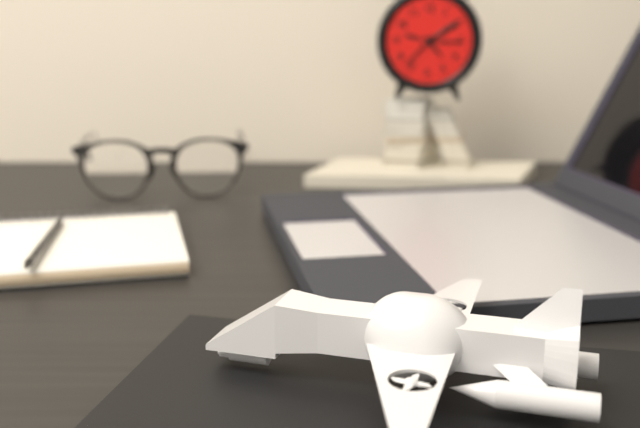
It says 4.37
